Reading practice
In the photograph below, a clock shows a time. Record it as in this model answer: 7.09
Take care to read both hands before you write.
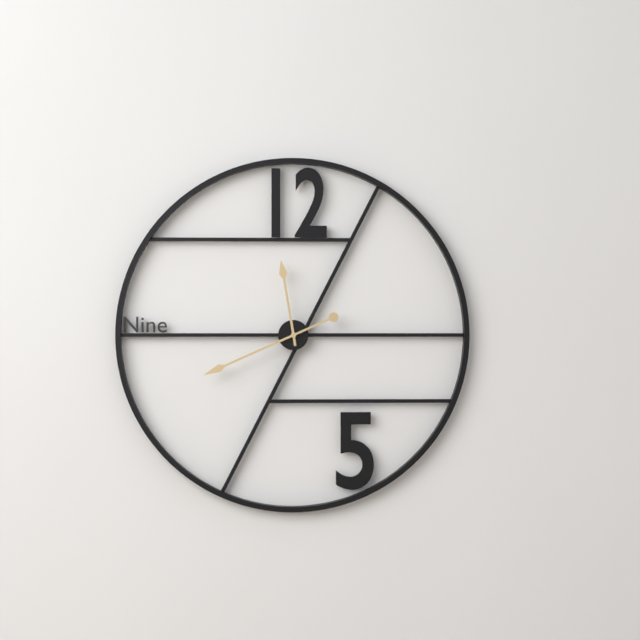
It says 11.41
